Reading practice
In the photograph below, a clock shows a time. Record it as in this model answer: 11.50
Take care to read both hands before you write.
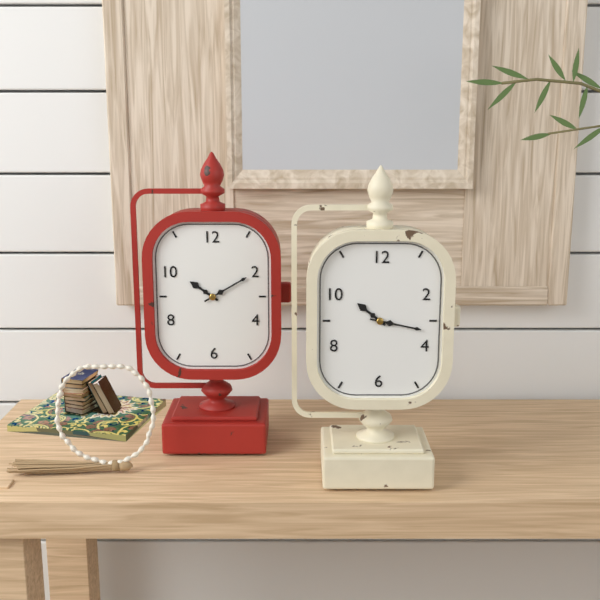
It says 10.17
